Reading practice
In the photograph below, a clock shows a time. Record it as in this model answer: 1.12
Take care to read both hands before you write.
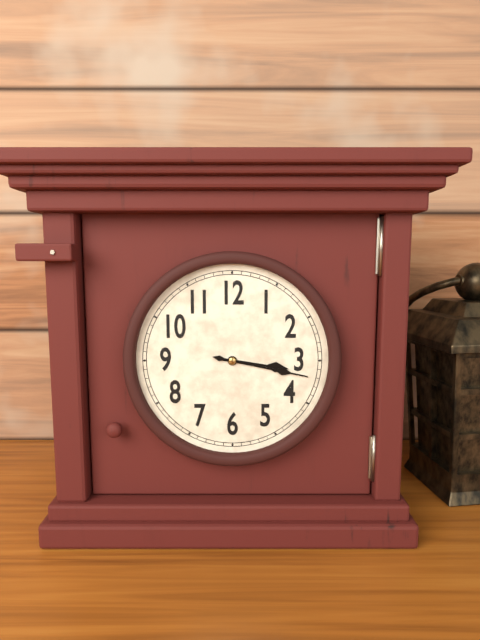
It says 3.17
